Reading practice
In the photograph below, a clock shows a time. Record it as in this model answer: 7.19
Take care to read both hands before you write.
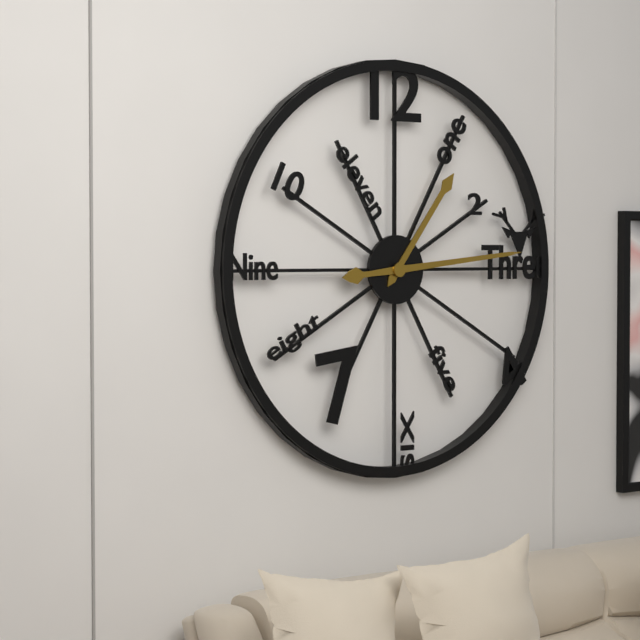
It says 1.14
